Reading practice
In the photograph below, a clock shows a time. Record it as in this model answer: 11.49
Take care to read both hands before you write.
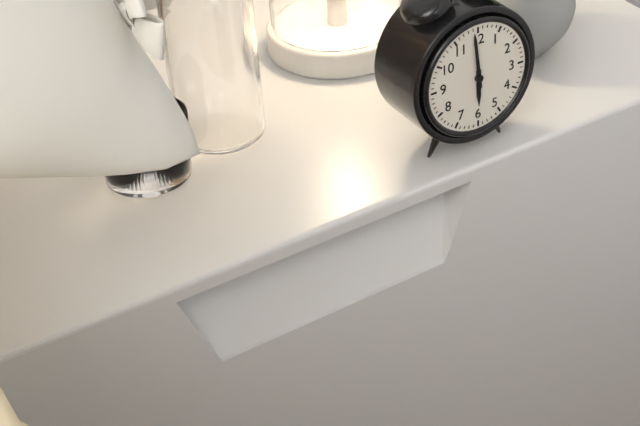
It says 5.59
